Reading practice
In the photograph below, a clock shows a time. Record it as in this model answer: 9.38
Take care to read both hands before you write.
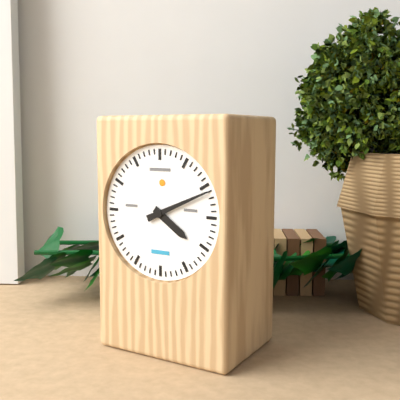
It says 4.11
